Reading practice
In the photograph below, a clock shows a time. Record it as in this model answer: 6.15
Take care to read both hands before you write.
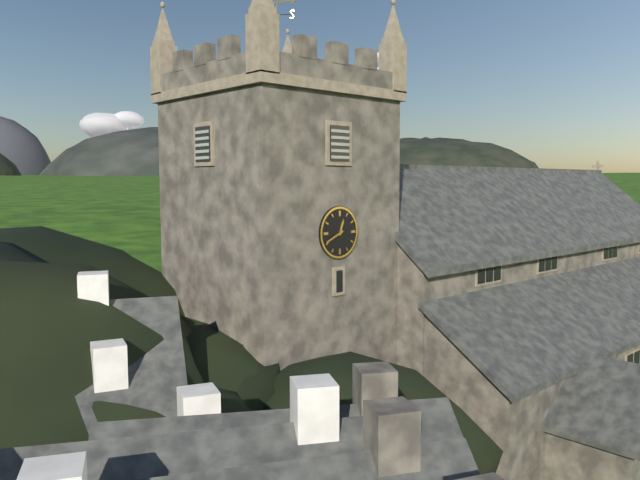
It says 12.41
